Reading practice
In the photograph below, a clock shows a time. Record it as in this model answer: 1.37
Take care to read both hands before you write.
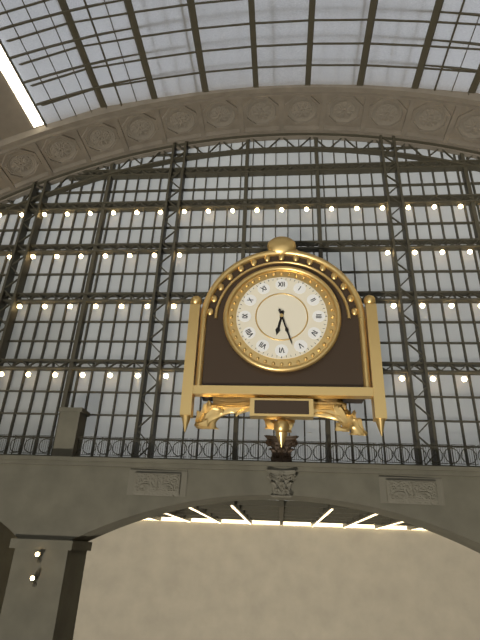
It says 6.27
